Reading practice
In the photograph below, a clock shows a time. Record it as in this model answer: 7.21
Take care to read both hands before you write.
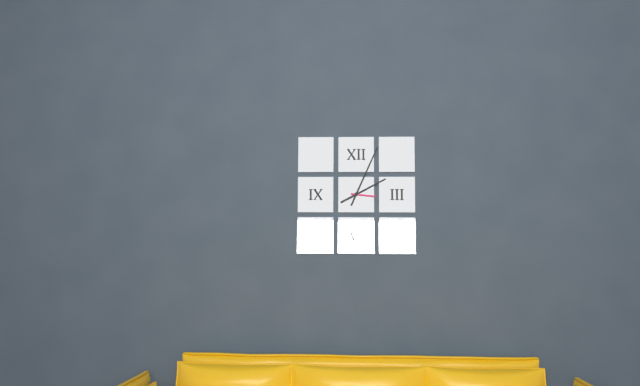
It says 2.04
